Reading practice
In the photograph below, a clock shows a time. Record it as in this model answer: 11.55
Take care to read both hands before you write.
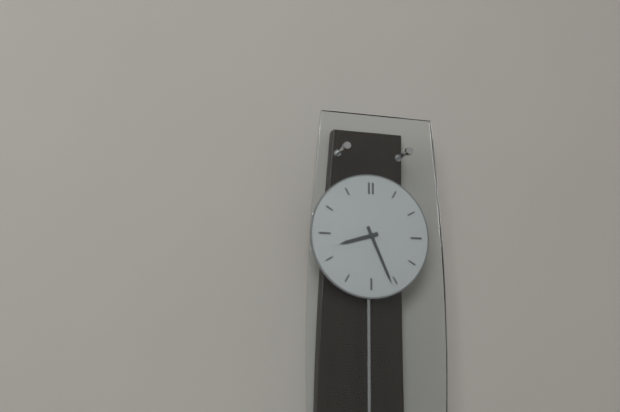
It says 8.26
